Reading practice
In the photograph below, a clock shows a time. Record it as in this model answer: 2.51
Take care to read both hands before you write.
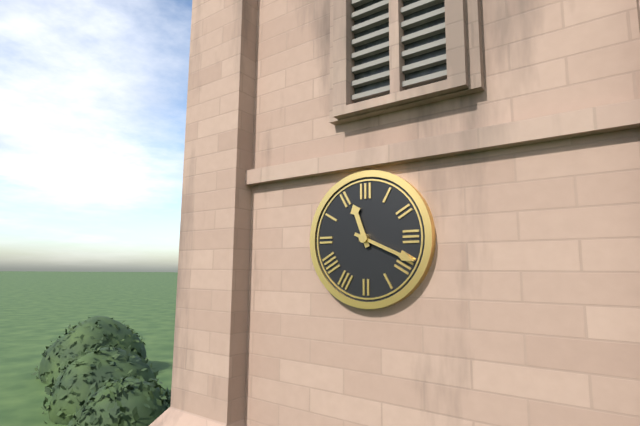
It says 11.19
